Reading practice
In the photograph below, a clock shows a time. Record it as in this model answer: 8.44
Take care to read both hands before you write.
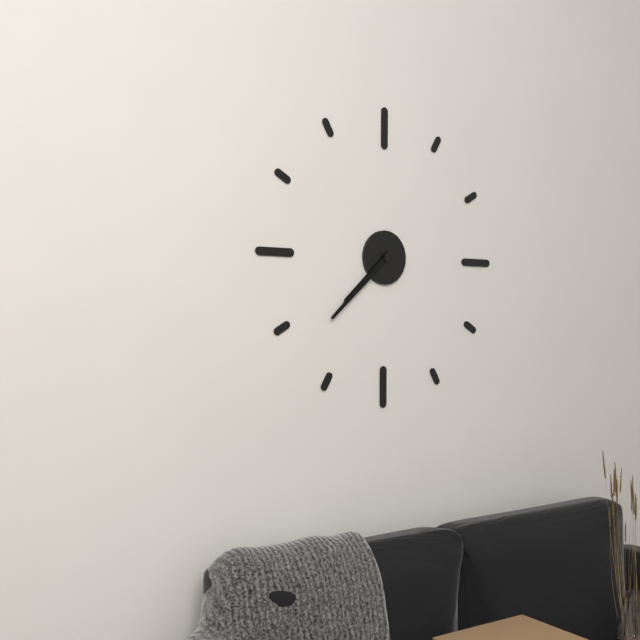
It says 7.38
